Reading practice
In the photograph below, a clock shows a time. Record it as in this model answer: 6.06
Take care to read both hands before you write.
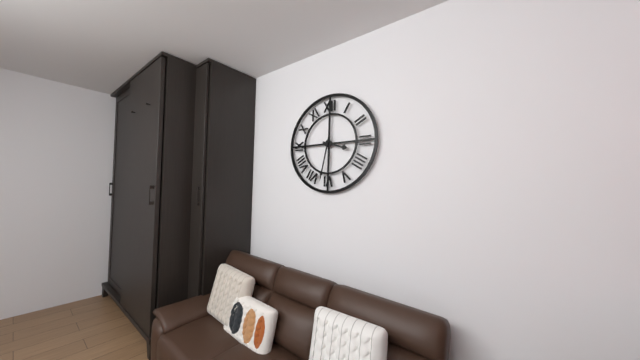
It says 3.32
